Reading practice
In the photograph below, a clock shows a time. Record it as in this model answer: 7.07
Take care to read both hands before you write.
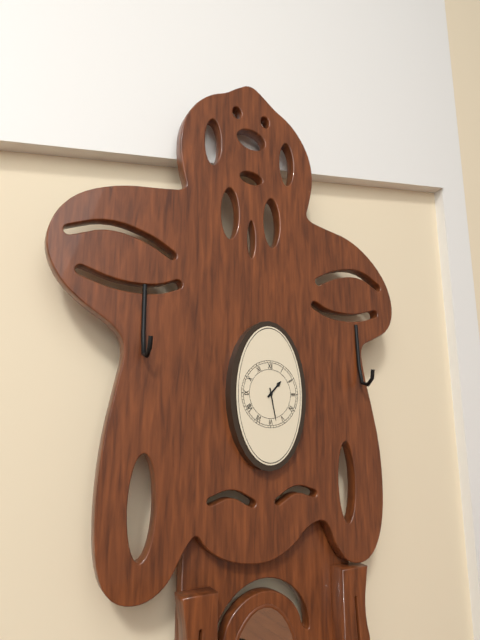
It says 1.28
